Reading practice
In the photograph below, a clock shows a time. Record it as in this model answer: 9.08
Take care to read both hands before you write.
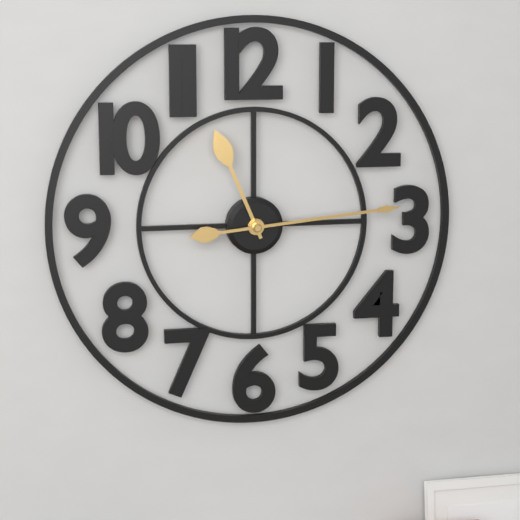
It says 11.14
